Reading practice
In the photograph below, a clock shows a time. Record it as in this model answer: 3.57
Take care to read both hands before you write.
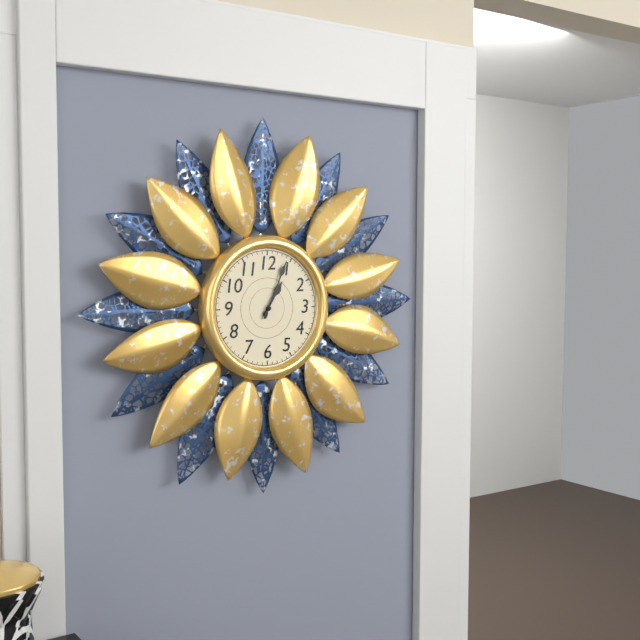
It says 1.04
